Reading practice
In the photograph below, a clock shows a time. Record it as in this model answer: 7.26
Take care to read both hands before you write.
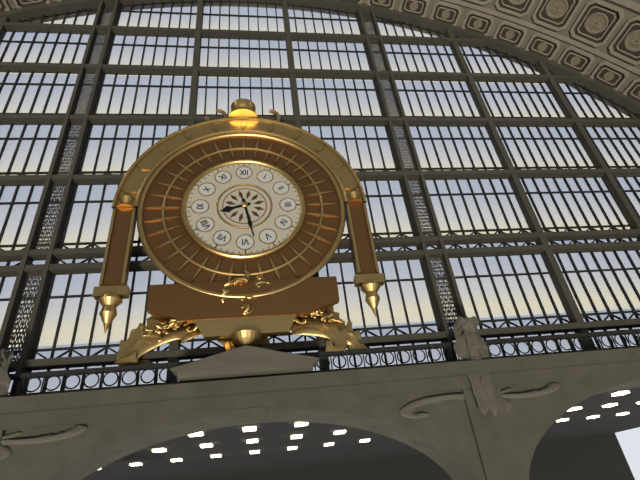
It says 8.28
